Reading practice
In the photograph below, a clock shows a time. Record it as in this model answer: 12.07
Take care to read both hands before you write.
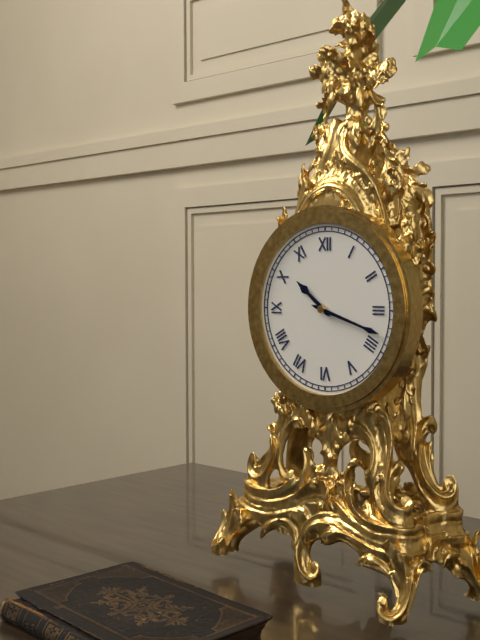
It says 10.18
